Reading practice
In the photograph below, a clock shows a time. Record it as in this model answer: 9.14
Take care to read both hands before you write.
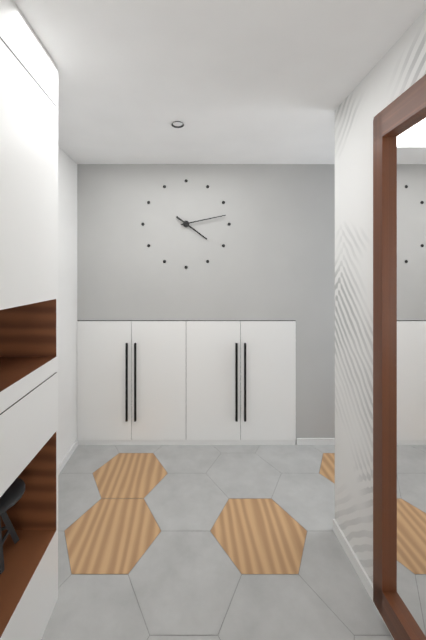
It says 4.13
